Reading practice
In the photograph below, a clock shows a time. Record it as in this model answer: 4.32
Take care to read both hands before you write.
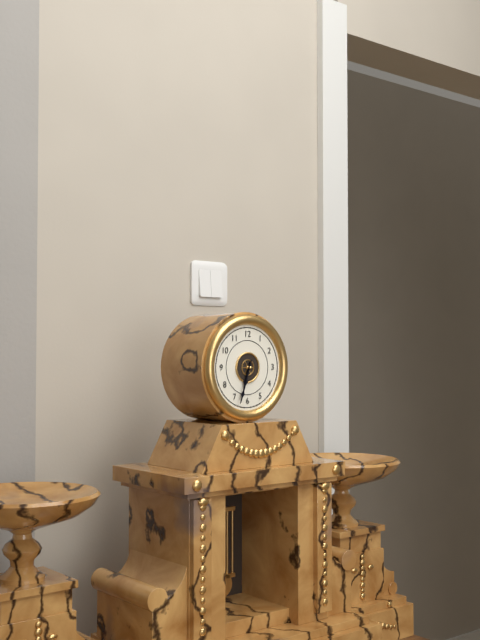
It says 6.33
